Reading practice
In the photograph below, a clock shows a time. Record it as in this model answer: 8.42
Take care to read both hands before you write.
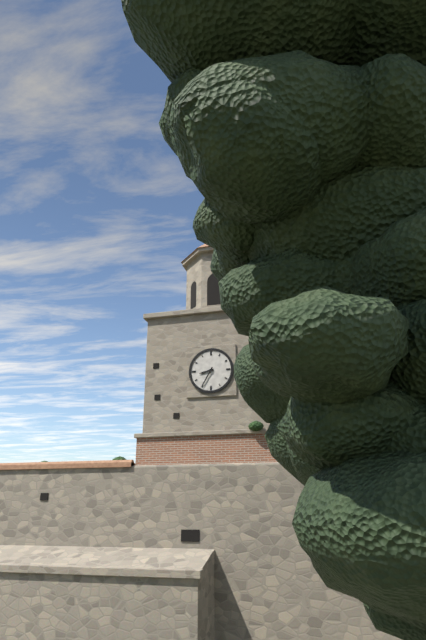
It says 8.35
